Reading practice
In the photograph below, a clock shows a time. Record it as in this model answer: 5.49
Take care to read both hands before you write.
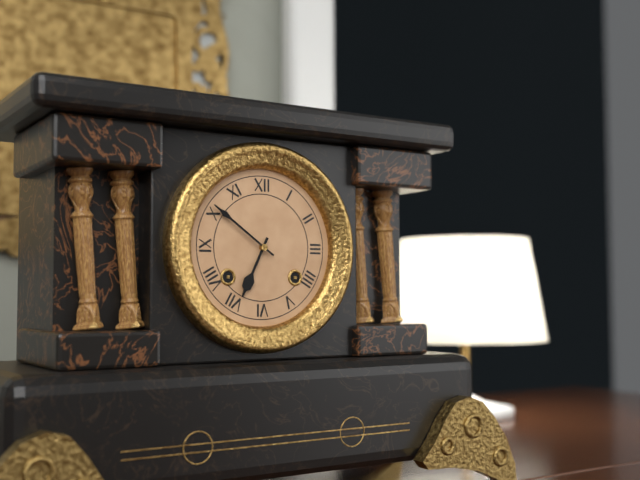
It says 6.51
